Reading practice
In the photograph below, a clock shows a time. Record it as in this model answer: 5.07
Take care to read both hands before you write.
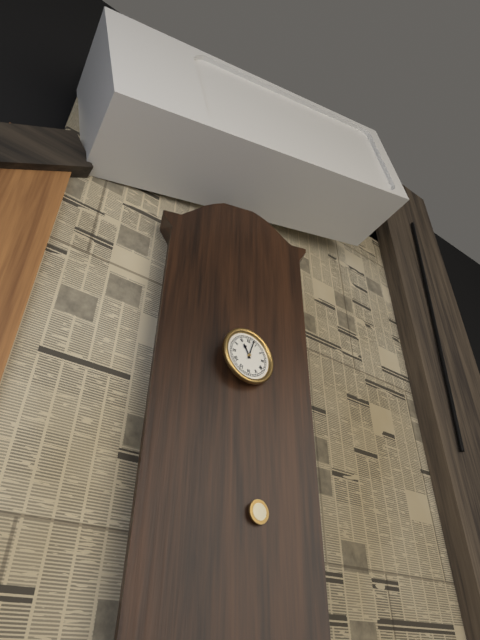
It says 11.03
